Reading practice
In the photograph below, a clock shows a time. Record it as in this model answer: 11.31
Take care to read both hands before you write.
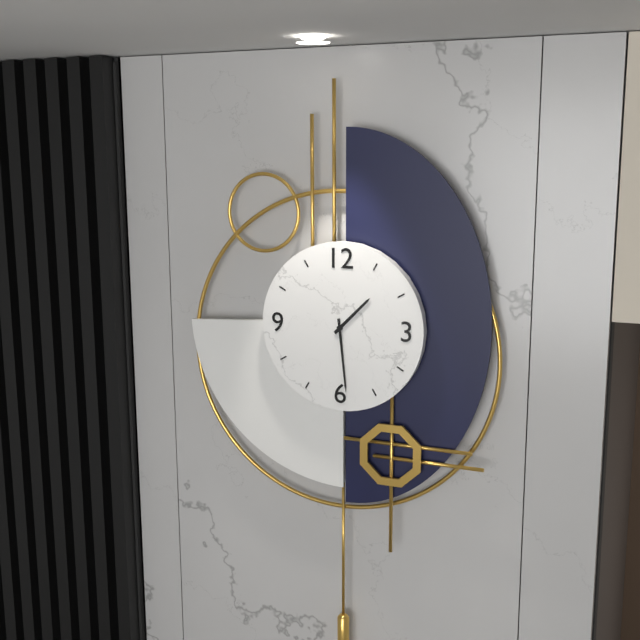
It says 1.29
